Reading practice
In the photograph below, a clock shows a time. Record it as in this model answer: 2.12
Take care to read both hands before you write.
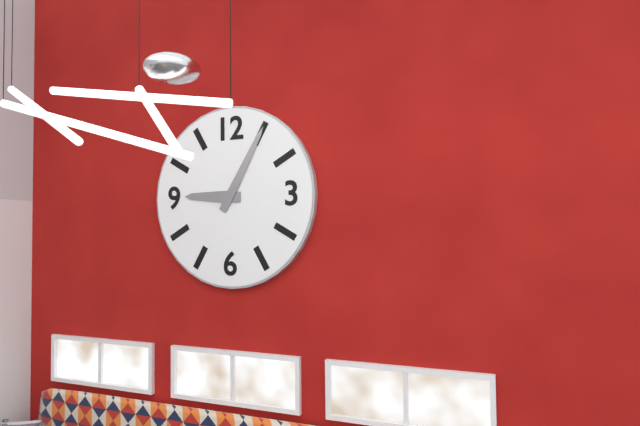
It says 9.05
